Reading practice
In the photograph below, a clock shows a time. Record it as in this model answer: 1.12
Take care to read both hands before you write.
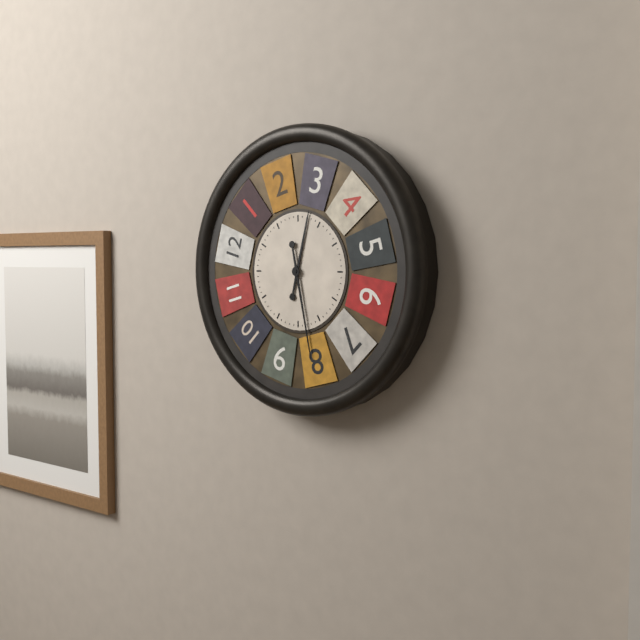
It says 12.28
